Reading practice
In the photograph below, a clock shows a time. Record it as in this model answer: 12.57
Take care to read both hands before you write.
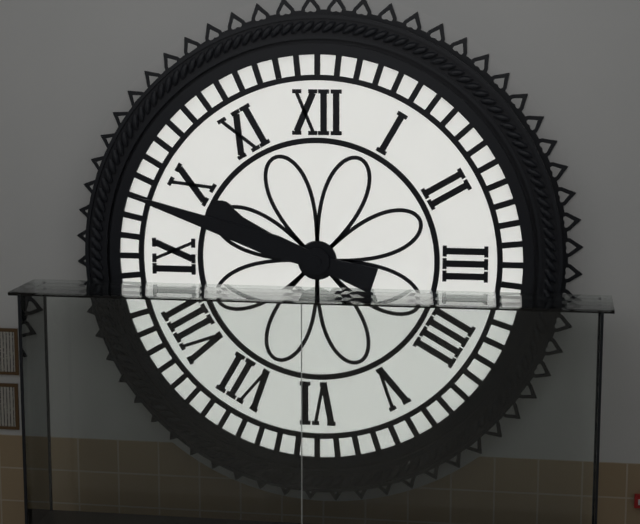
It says 9.48
